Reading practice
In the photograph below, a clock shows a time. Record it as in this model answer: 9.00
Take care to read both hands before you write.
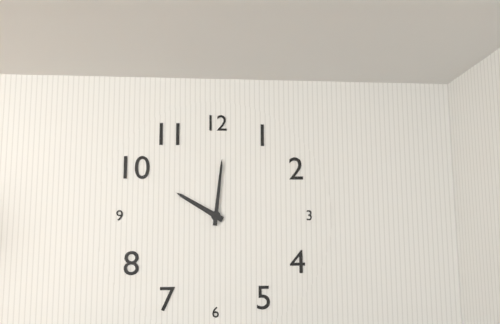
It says 10.01
